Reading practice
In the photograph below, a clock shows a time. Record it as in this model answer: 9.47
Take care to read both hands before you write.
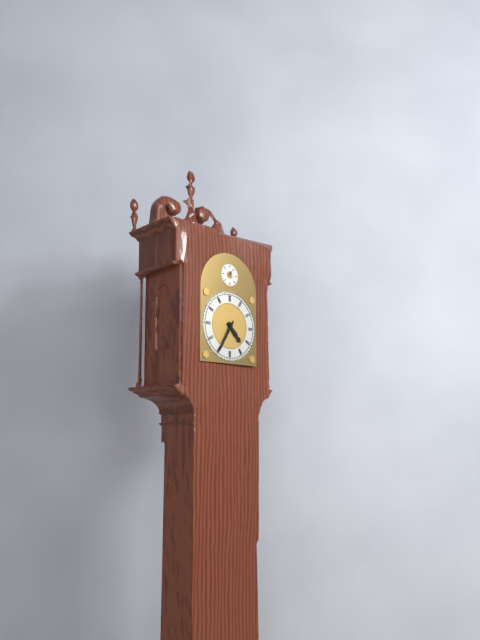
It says 4.35
